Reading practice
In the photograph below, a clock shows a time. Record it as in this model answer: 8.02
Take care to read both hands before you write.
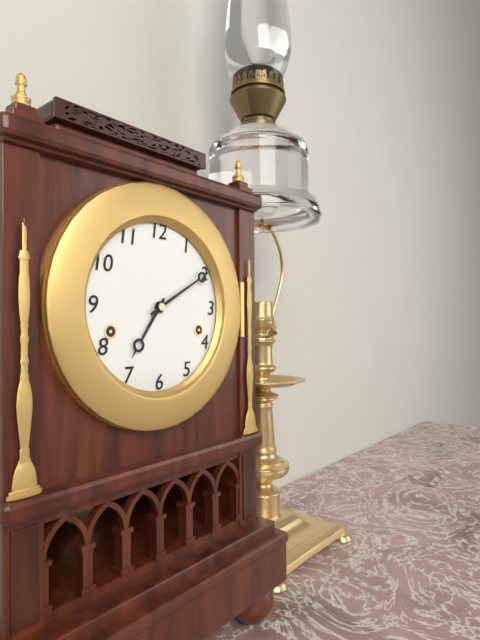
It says 7.10
